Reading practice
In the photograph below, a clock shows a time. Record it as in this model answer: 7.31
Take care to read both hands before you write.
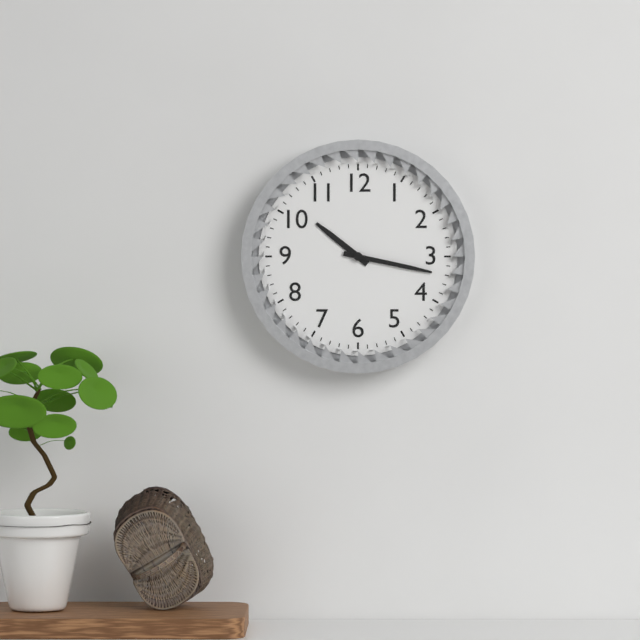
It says 10.17
